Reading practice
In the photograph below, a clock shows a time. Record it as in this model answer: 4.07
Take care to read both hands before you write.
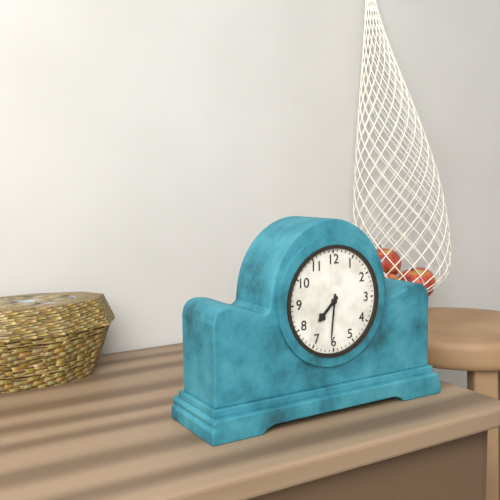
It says 7.31
